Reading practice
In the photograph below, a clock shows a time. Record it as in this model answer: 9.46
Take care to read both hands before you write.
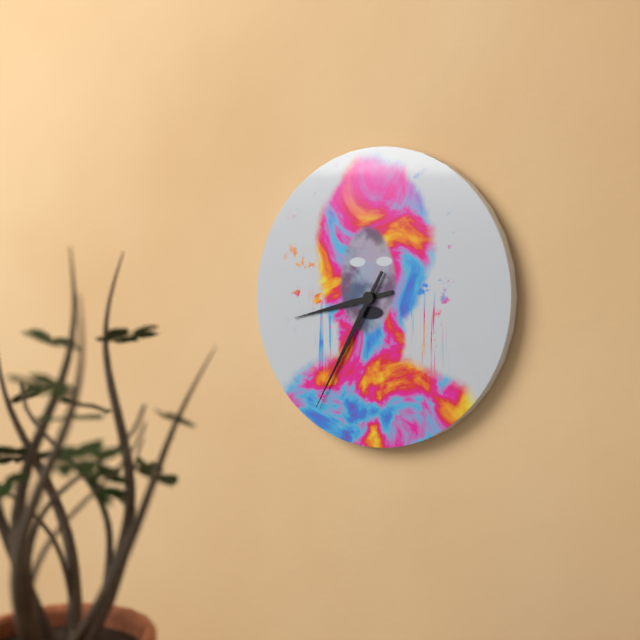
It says 8.35
